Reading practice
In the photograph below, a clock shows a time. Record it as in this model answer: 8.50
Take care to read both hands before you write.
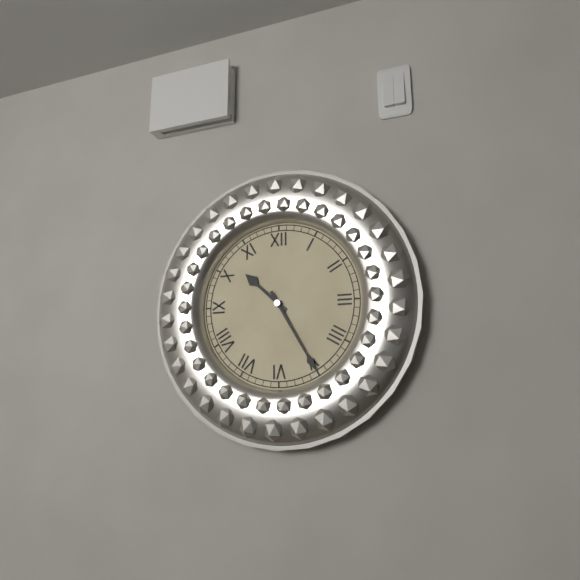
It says 10.25
